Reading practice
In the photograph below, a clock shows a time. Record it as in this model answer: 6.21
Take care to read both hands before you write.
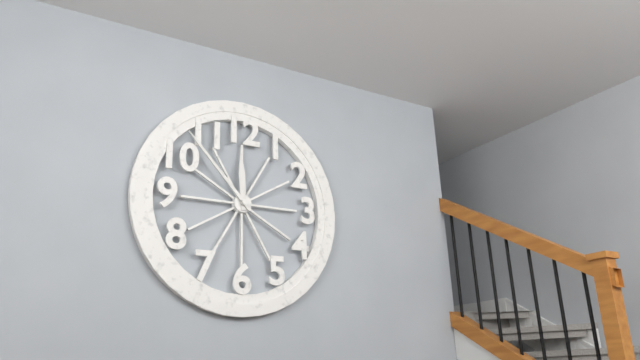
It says 11.53
